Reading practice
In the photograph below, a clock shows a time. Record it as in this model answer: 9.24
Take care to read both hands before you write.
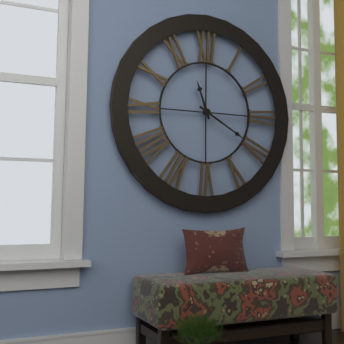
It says 11.20
